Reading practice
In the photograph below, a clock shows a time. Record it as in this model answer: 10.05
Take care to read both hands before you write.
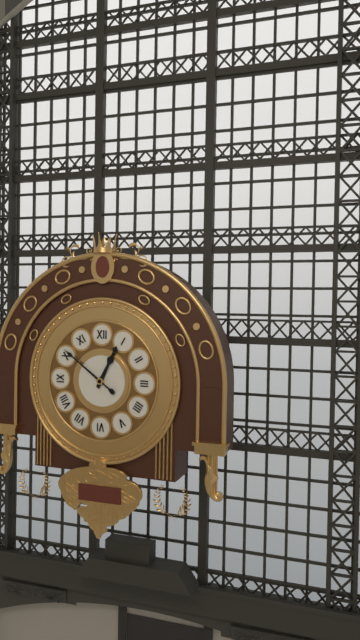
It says 12.51
